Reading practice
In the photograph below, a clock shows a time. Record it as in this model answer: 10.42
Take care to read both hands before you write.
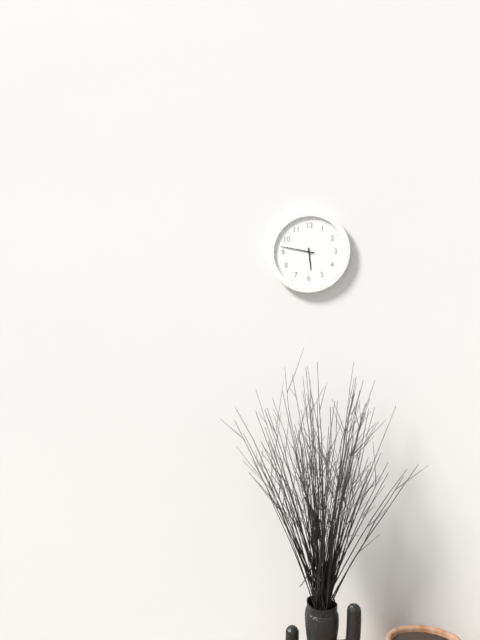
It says 5.47
